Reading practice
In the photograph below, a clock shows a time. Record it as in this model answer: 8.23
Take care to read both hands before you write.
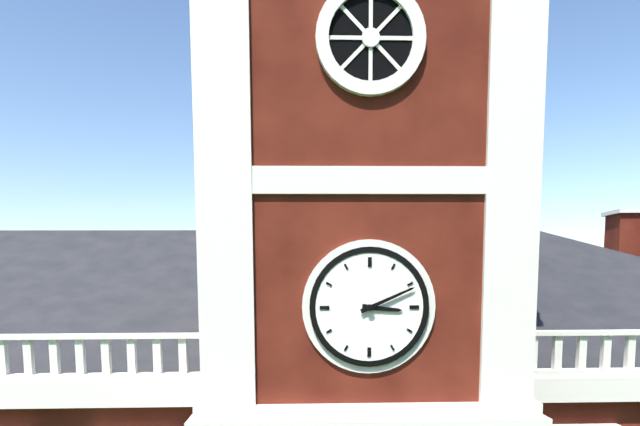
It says 3.11
